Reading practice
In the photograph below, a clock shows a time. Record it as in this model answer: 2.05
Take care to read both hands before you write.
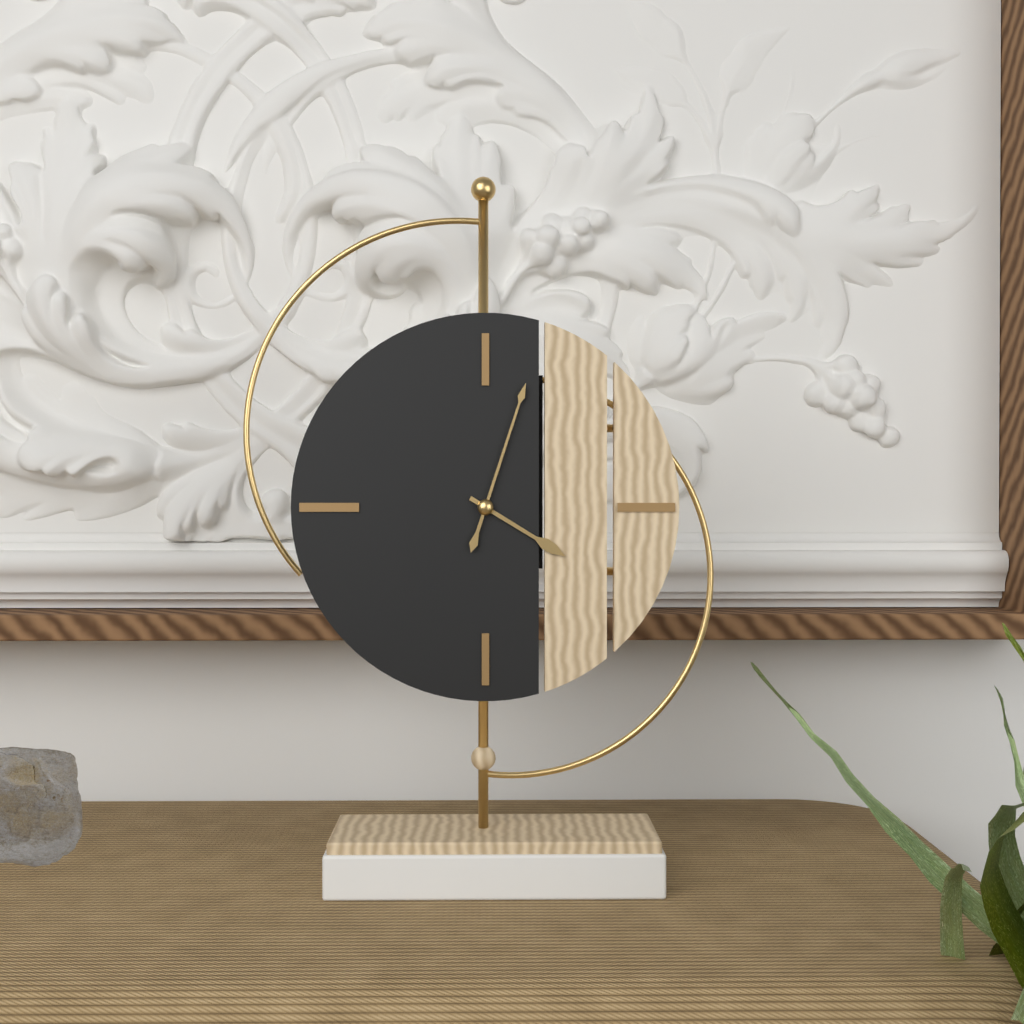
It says 4.03
